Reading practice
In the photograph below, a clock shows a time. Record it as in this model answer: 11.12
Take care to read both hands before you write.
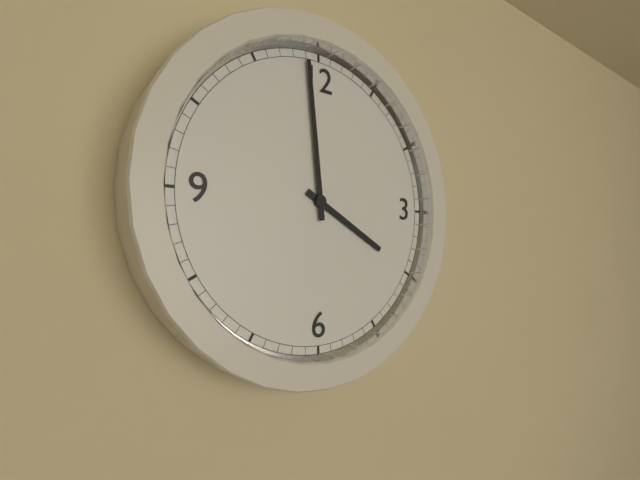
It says 3.59
